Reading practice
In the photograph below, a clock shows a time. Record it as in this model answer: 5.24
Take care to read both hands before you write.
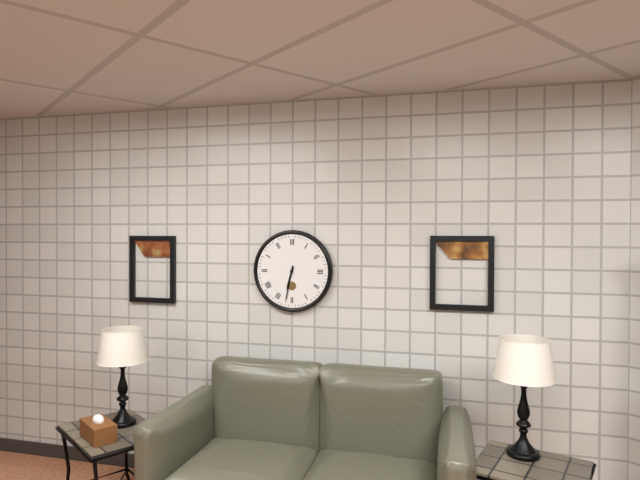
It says 6.32
